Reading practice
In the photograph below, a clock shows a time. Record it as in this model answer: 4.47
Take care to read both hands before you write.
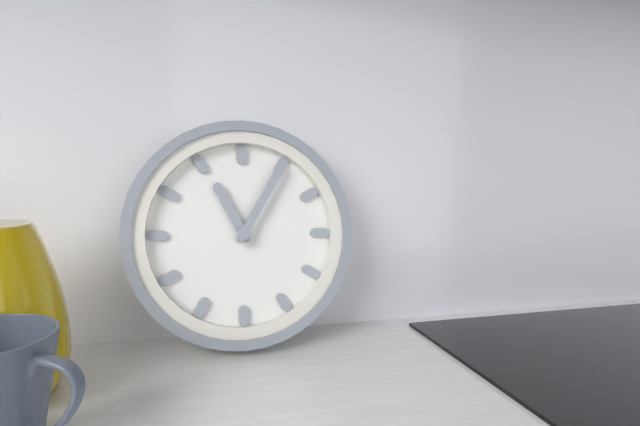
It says 11.05
